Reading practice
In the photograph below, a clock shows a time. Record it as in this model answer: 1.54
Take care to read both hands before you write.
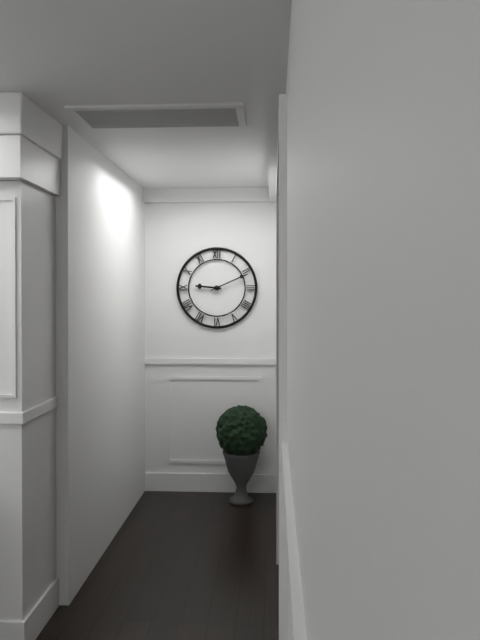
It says 9.11
